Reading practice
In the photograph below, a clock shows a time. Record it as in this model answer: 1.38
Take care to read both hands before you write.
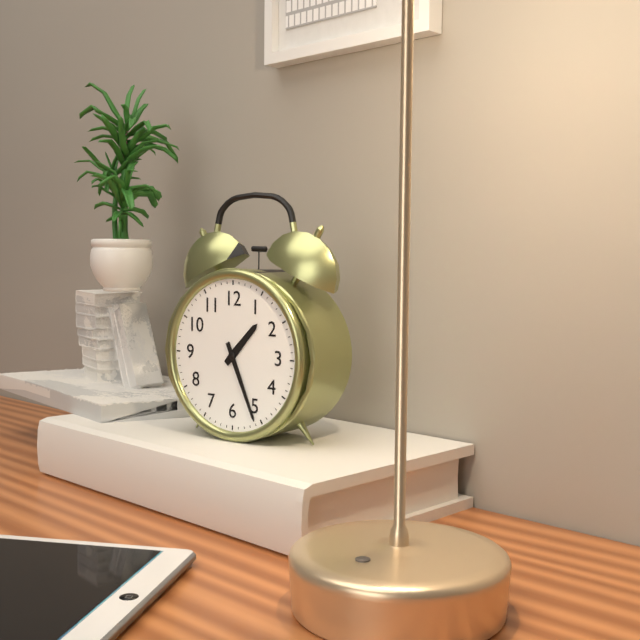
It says 1.26
